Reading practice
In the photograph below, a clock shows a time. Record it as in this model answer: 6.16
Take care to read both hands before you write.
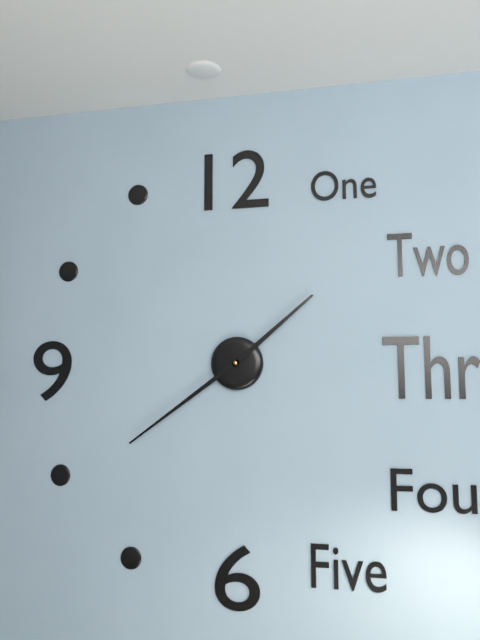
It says 1.39
